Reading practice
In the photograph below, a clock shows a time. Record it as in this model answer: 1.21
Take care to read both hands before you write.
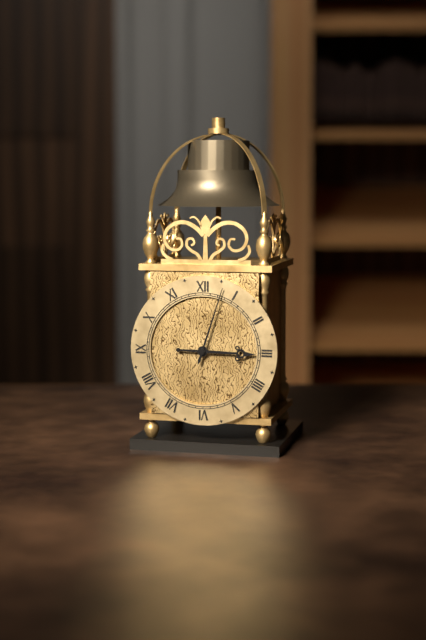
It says 3.03
